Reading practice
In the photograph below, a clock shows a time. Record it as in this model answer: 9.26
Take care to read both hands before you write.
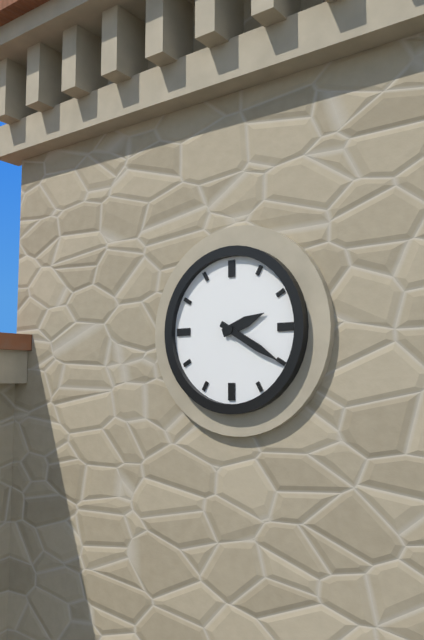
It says 2.20
